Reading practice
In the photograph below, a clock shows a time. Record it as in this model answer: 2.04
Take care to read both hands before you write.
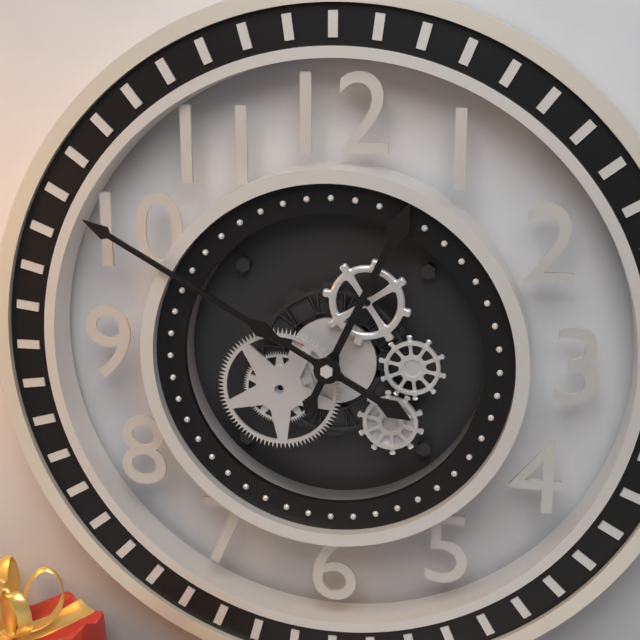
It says 12.50
